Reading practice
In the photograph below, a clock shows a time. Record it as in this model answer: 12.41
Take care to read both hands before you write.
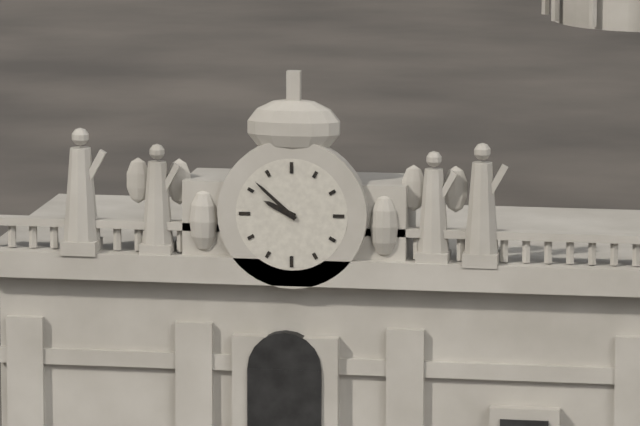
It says 9.52
